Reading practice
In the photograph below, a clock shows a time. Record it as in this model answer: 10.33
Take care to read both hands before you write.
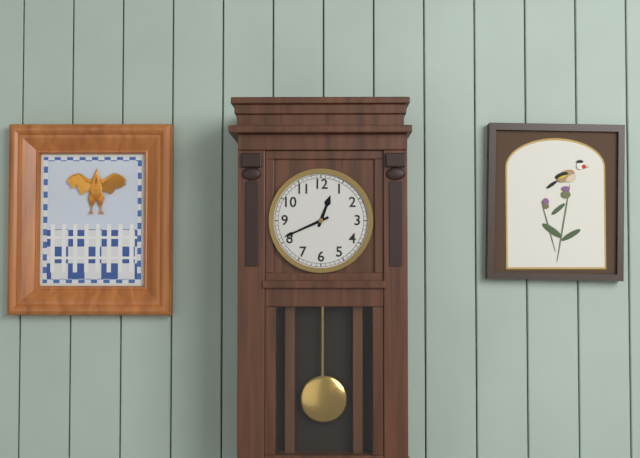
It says 12.41
